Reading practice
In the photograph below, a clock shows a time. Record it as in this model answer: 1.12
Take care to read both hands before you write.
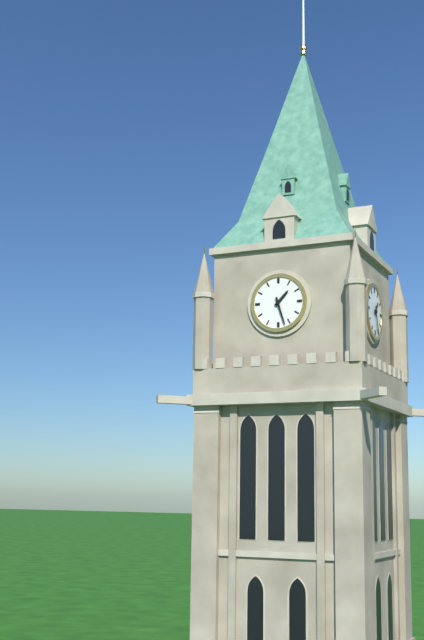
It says 1.27
